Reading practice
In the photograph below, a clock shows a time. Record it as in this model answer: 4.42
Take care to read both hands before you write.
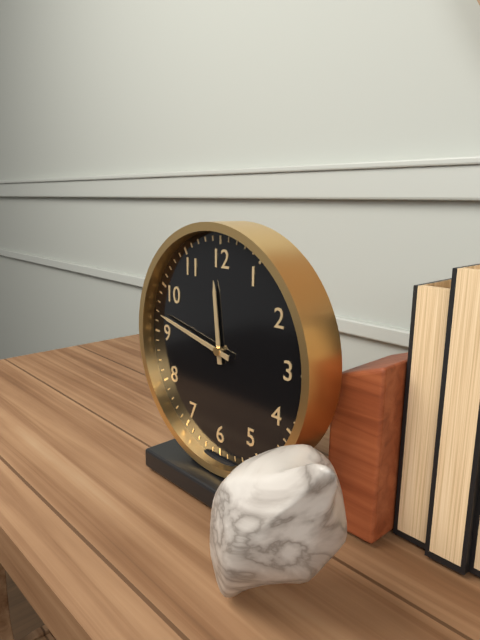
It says 11.47
